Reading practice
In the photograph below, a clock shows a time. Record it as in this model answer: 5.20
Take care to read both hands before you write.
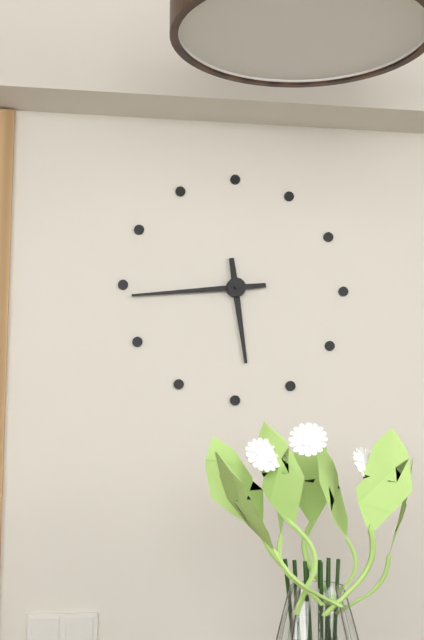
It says 5.44
